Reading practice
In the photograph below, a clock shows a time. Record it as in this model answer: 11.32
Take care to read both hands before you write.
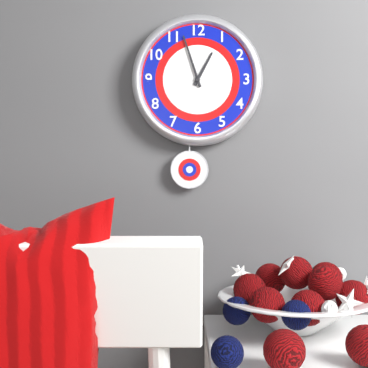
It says 12.57
